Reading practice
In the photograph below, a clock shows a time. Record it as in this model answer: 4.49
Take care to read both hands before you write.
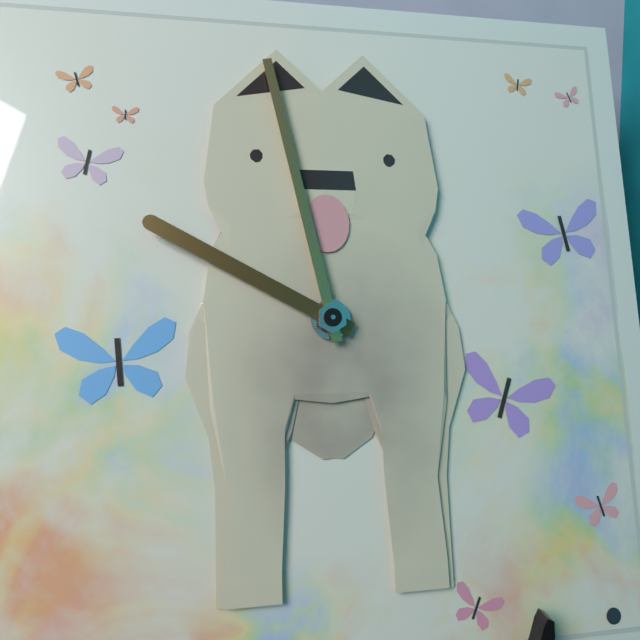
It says 9.58
